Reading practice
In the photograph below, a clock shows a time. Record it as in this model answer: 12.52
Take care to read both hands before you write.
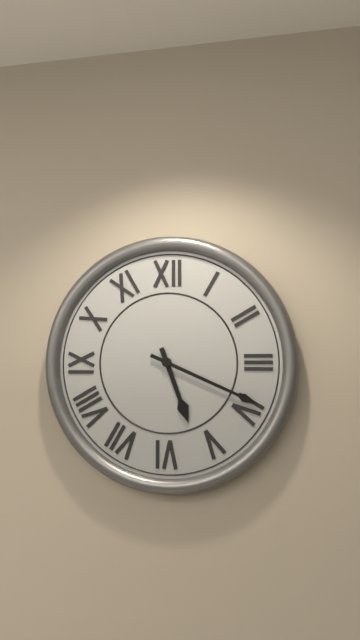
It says 5.19
